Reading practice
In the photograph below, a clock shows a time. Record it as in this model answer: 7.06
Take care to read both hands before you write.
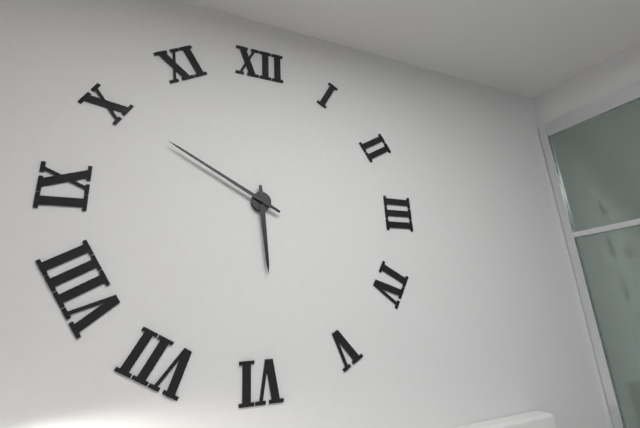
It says 5.50
